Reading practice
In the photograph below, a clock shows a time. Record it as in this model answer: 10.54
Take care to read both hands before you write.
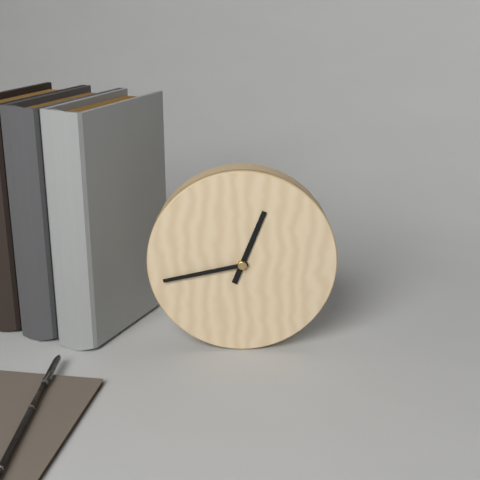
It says 12.43
